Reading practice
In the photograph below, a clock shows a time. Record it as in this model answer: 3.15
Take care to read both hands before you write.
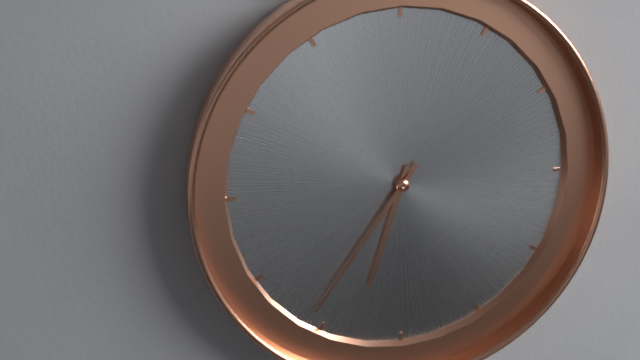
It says 6.36
